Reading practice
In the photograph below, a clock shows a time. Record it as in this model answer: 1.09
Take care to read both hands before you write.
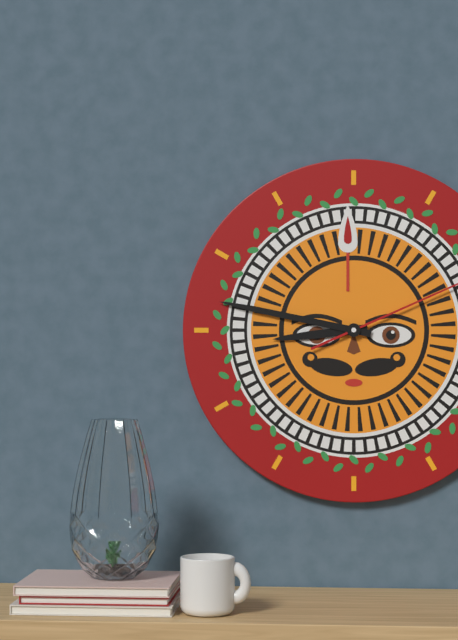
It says 8.47
